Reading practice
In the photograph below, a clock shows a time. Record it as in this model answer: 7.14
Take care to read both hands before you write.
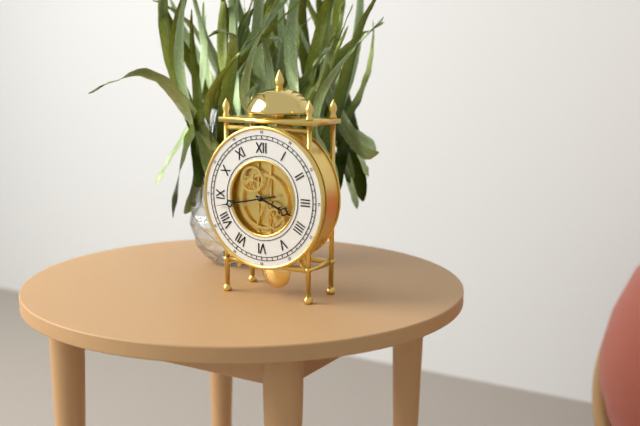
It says 3.43
